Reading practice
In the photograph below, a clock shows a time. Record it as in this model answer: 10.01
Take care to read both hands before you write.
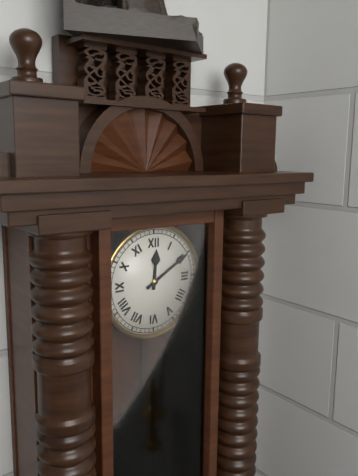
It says 12.10
